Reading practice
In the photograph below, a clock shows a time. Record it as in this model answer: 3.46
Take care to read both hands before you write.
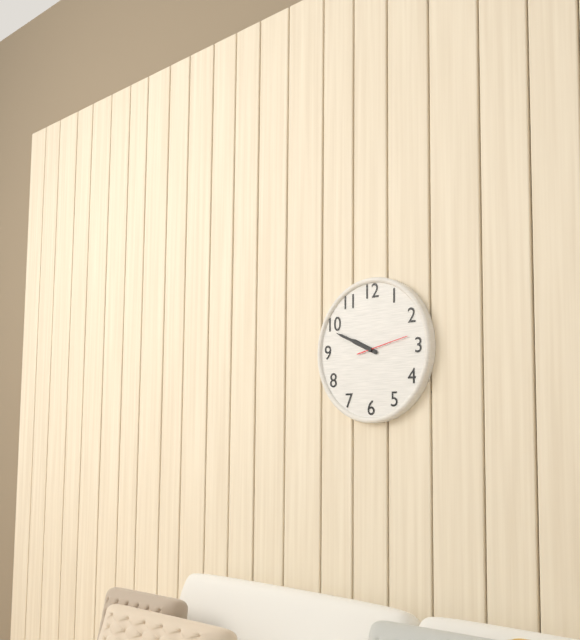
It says 9.49
